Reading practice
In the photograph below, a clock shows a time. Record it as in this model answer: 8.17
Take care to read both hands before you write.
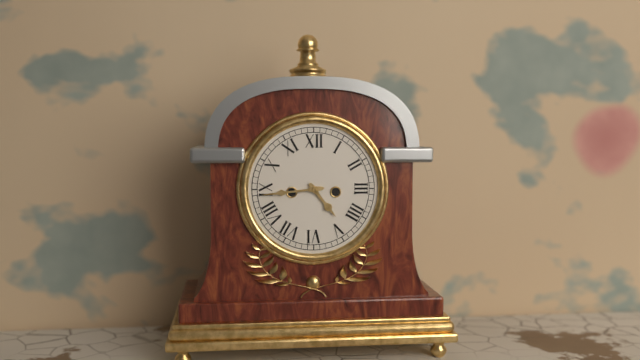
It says 4.44
